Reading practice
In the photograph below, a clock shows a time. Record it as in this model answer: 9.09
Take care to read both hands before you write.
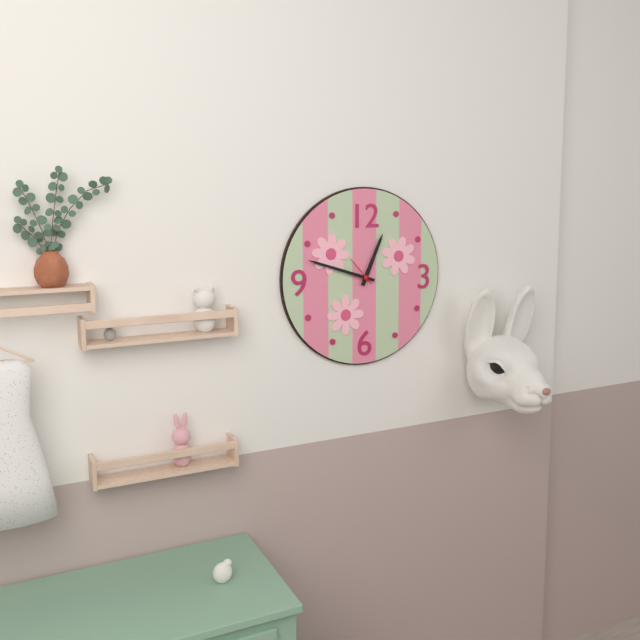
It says 12.48
